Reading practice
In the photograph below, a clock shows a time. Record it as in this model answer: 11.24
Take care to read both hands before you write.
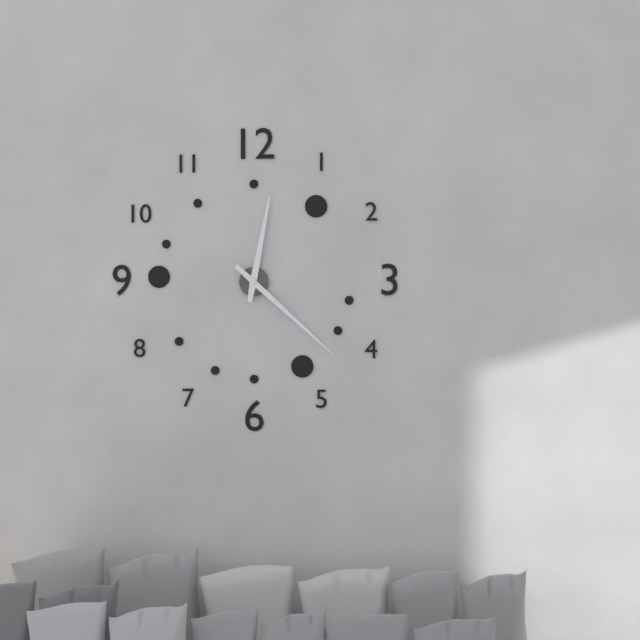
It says 12.22
